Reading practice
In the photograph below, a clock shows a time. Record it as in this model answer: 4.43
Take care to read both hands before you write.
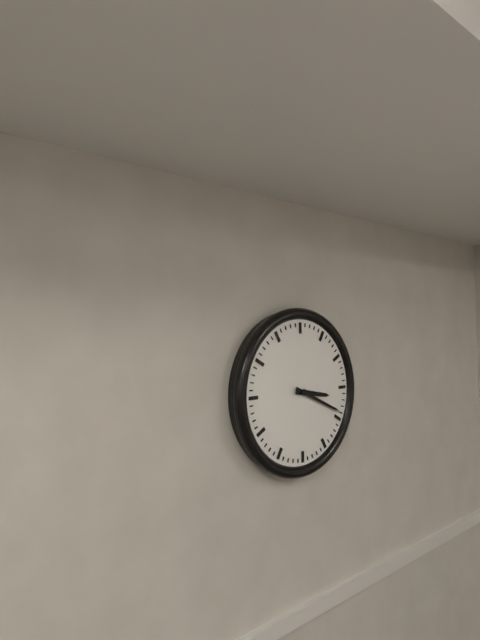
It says 3.19
